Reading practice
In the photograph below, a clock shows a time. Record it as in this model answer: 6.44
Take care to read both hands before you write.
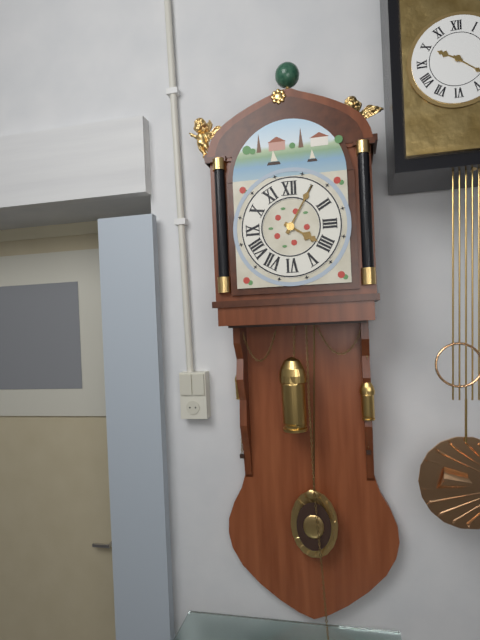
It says 4.05
